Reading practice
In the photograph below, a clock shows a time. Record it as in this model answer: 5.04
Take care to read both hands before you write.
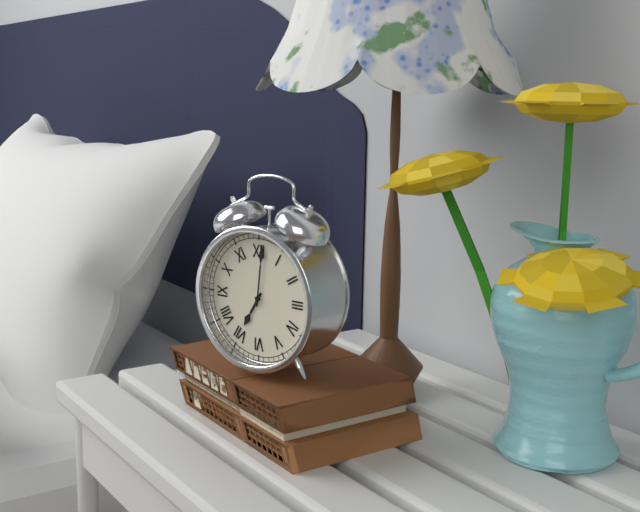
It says 7.01
